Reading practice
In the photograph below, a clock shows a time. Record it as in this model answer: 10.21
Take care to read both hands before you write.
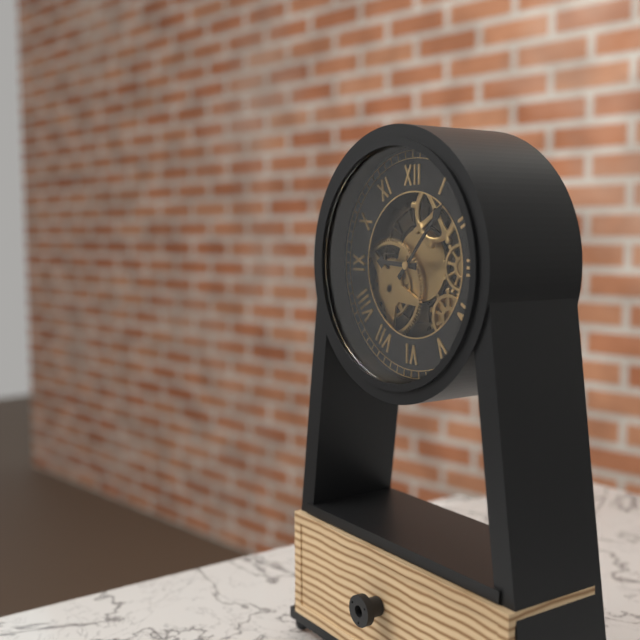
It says 9.07
